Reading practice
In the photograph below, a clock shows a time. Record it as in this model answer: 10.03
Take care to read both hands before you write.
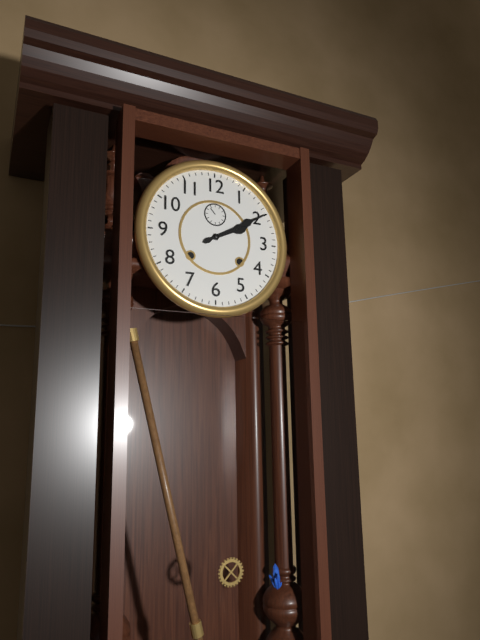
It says 2.10
